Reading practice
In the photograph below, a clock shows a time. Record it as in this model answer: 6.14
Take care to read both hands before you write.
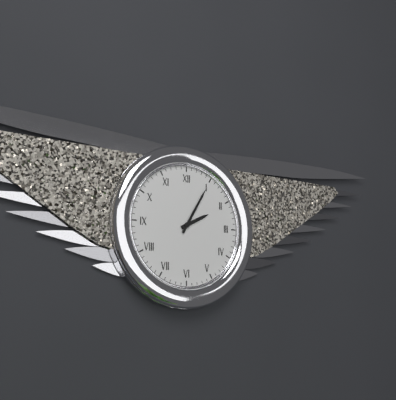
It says 2.05
